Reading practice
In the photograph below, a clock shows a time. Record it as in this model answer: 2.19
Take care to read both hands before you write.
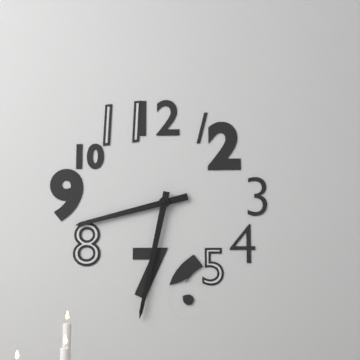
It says 8.32
